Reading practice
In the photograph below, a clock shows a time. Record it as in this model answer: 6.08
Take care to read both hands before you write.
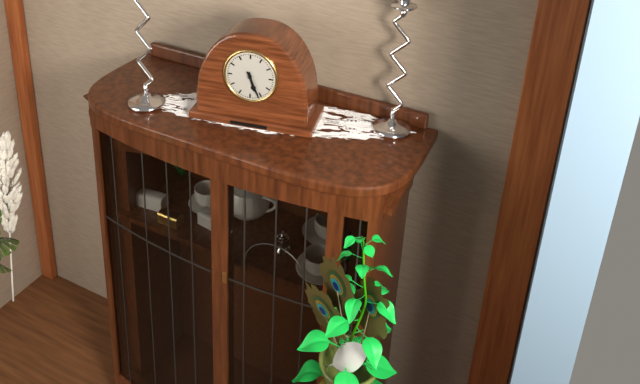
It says 5.26
